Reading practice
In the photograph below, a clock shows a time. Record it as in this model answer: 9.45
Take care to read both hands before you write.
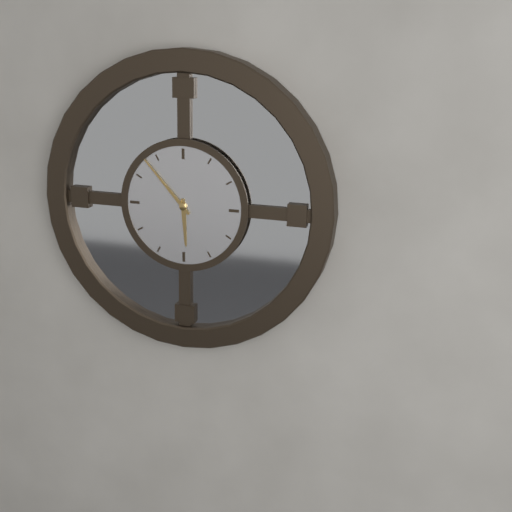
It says 5.53
